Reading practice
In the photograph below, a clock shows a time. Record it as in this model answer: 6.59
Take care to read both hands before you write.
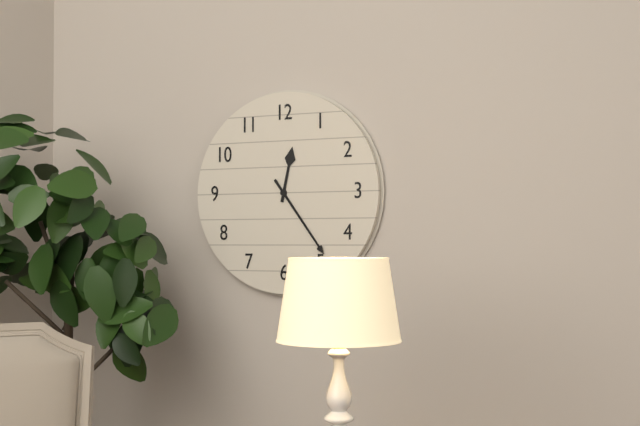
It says 12.24
